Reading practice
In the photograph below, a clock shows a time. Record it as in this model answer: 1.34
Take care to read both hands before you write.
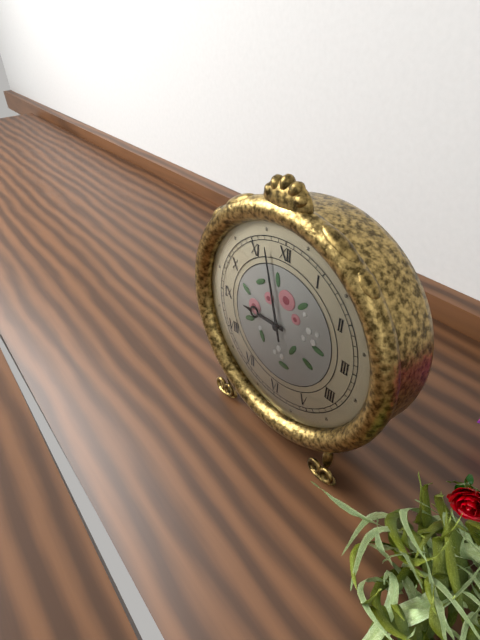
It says 8.57
